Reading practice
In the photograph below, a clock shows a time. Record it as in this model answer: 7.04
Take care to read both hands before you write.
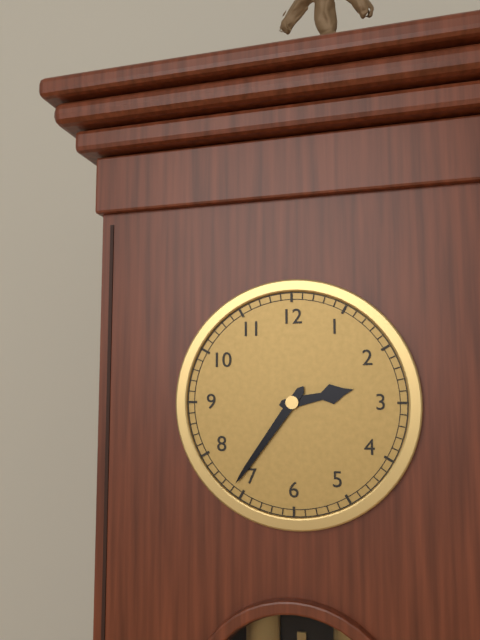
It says 2.36
